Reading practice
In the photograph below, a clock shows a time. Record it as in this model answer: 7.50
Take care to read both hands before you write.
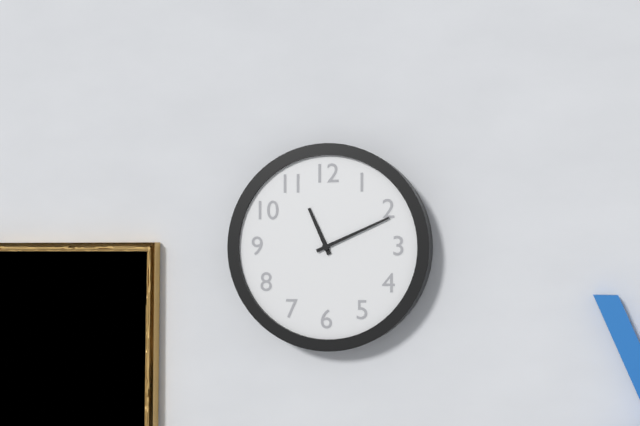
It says 11.11
